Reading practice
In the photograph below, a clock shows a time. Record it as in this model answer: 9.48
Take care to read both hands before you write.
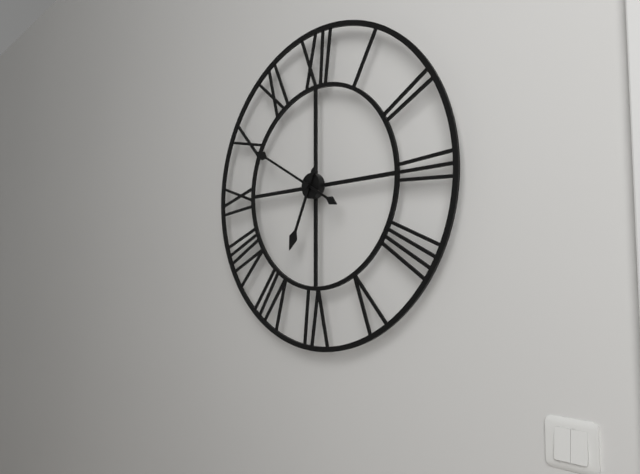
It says 6.50
